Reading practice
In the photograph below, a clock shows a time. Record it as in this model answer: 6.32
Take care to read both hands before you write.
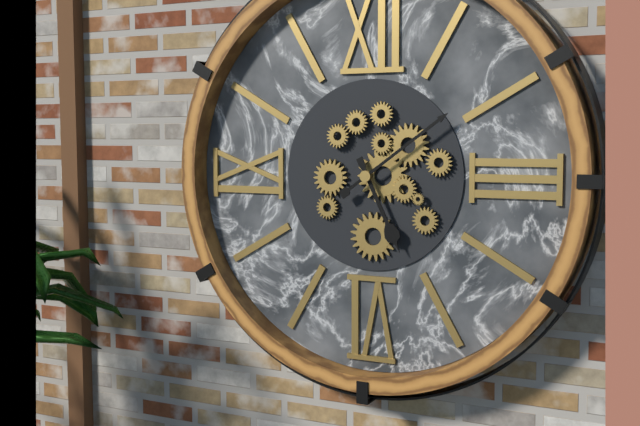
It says 5.09
